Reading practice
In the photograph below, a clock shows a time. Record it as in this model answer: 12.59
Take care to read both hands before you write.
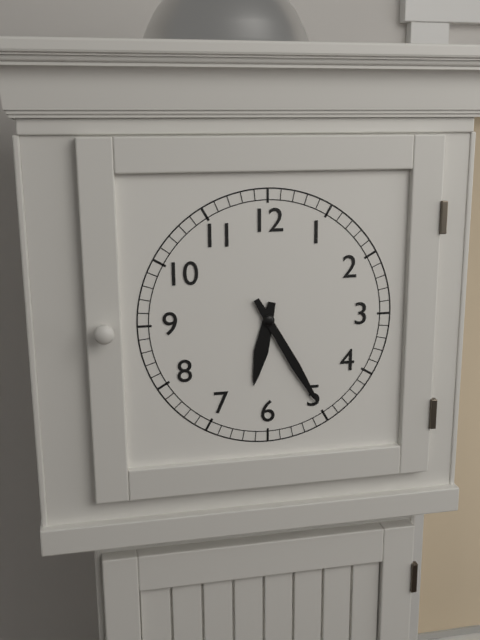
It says 6.25
